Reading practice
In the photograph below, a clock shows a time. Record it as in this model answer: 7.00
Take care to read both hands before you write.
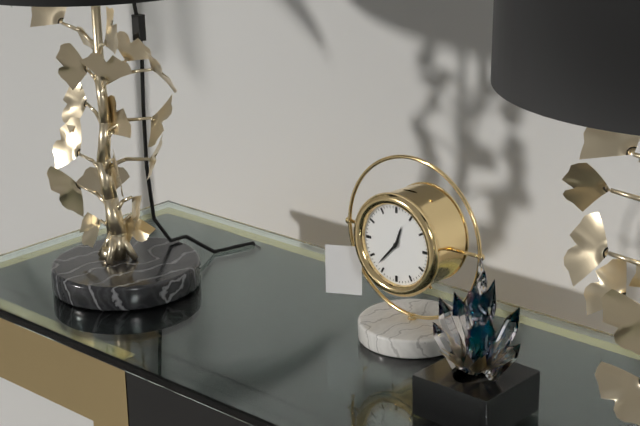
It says 12.37
